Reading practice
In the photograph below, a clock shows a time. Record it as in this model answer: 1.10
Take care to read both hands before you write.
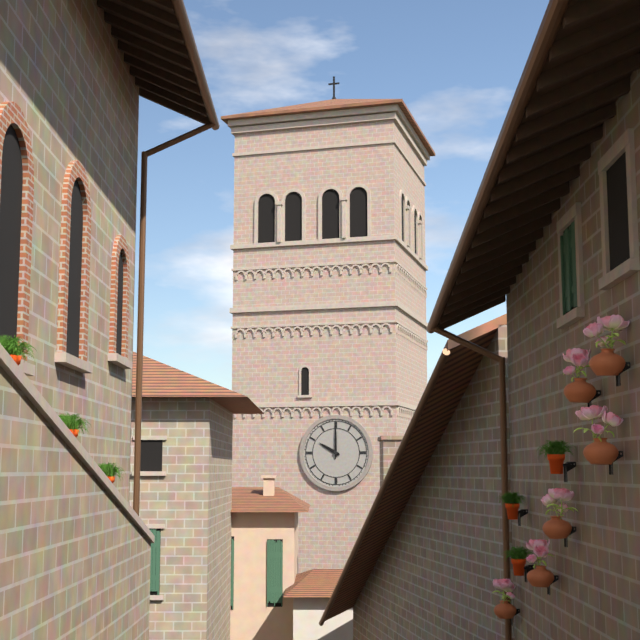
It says 10.00
